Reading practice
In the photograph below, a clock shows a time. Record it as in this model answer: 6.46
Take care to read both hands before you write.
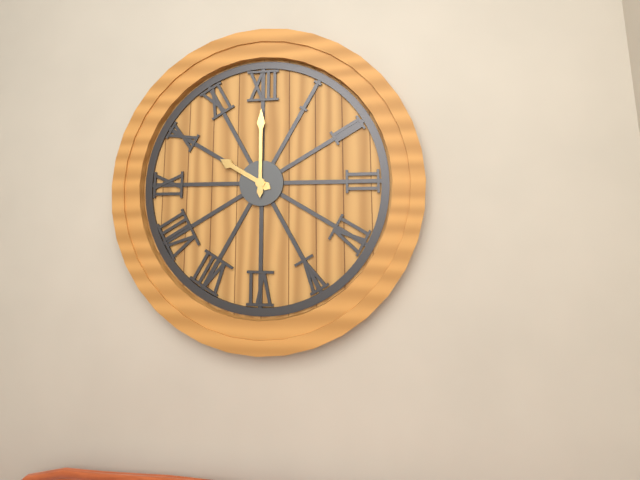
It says 10.00
